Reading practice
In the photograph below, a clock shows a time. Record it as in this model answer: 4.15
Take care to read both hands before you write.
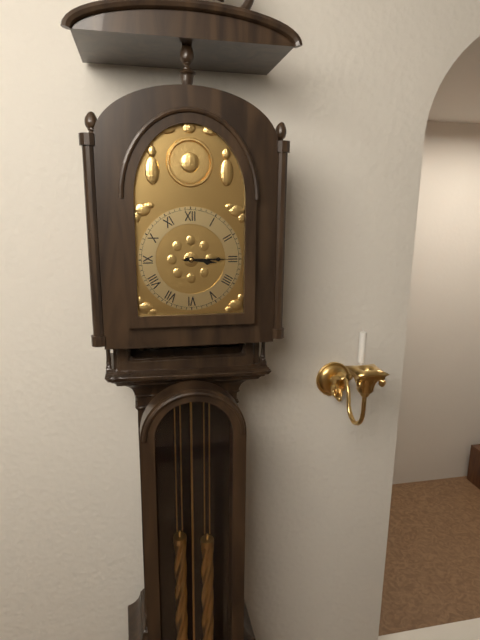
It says 3.15
